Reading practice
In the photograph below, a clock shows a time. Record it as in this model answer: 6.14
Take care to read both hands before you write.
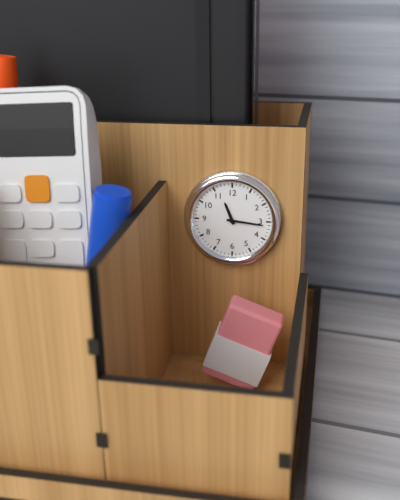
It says 11.16
